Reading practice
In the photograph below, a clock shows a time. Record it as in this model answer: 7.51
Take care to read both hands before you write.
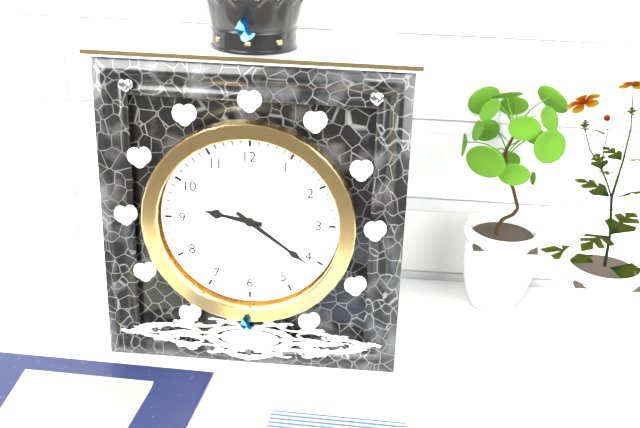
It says 9.21
